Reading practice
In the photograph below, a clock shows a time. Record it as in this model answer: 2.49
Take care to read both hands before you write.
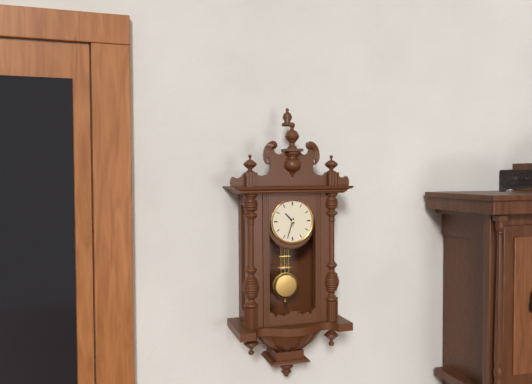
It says 10.33
